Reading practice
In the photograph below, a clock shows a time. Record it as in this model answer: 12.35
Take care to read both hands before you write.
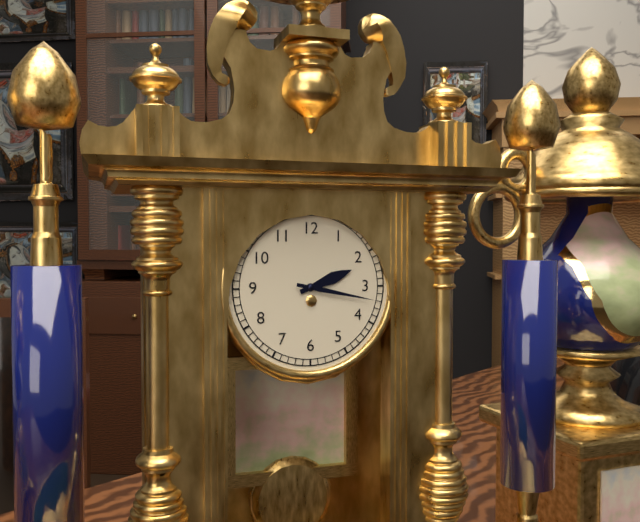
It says 2.17
